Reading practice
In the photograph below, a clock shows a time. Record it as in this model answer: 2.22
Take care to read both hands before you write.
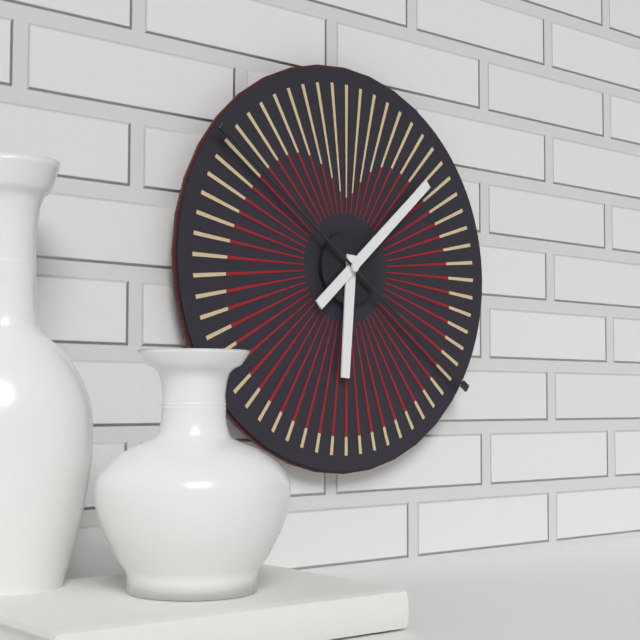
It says 6.08
